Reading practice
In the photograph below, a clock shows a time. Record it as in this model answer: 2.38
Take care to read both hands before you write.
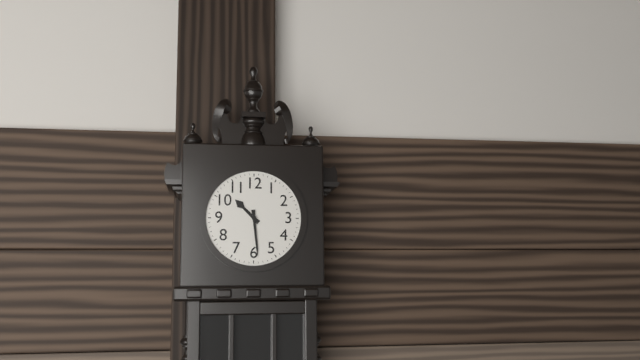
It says 10.29
